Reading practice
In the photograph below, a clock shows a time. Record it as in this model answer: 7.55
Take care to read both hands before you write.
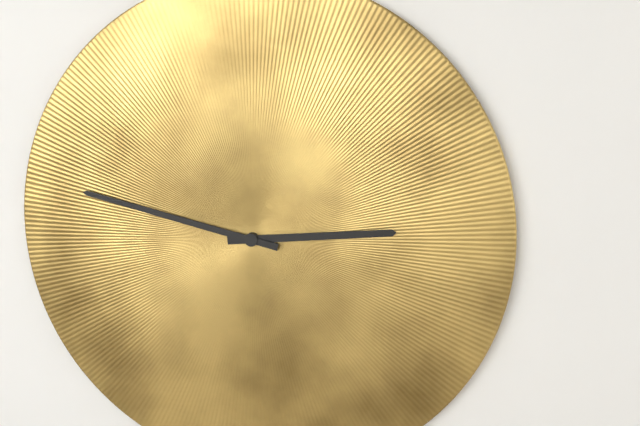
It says 2.47
